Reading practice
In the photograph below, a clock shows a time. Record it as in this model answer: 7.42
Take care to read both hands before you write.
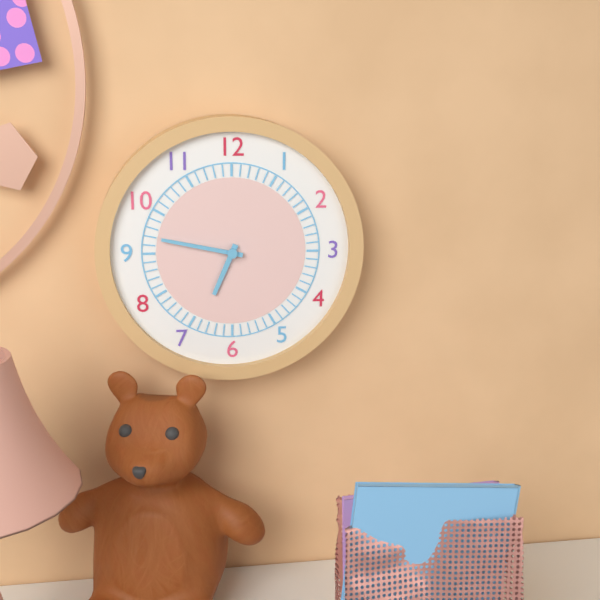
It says 6.47
